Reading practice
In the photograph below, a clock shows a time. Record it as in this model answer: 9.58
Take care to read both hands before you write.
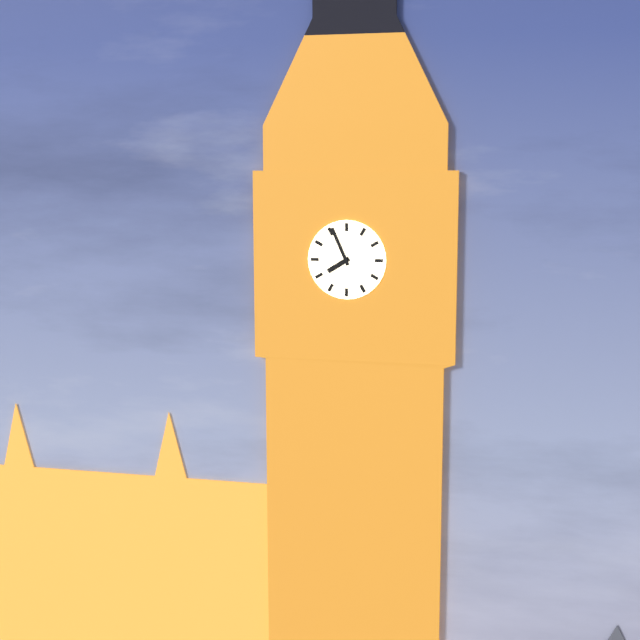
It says 7.56
